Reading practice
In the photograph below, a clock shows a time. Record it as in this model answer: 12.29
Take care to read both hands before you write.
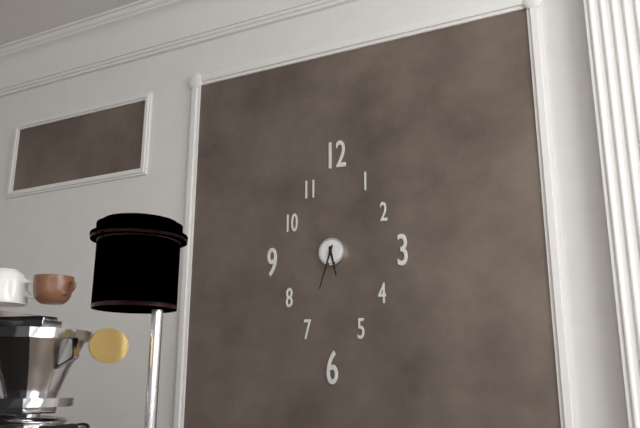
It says 5.33
